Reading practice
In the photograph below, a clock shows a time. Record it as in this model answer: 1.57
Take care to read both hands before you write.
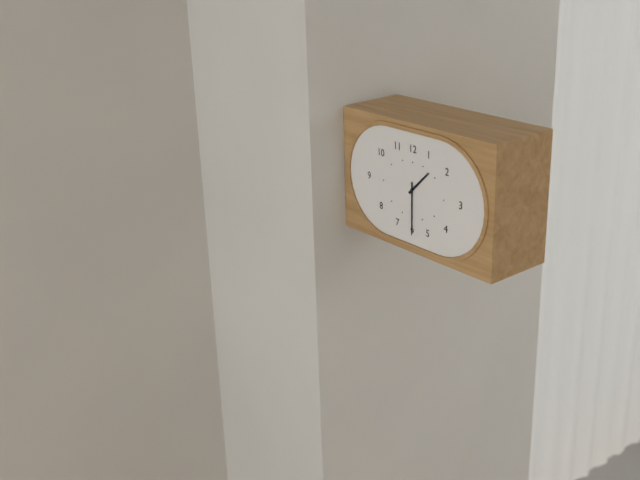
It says 1.30
